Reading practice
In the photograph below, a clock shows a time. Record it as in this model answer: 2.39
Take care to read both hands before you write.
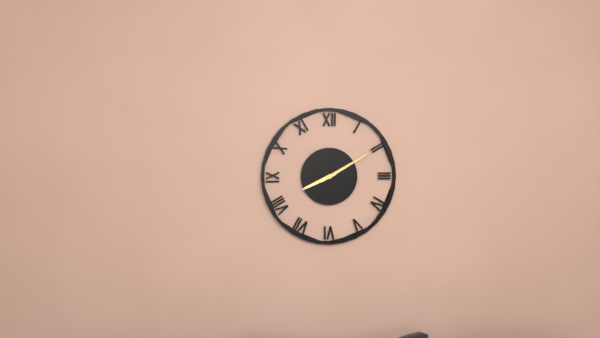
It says 8.10
